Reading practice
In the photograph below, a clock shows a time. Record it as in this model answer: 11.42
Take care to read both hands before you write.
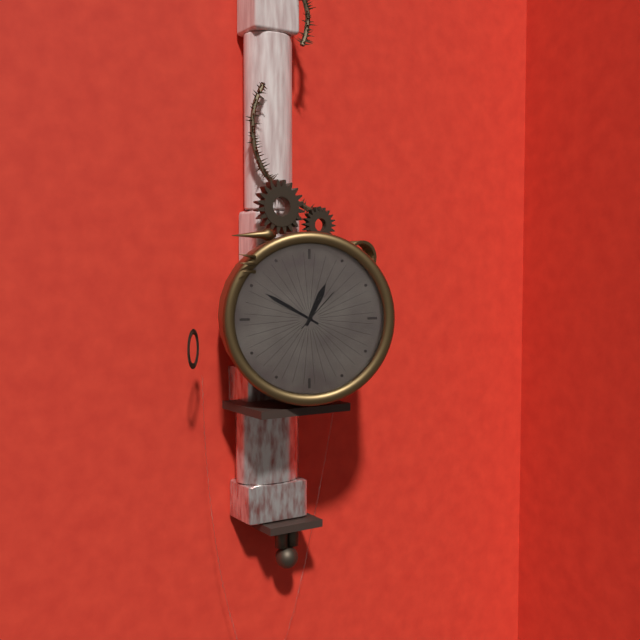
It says 12.50
